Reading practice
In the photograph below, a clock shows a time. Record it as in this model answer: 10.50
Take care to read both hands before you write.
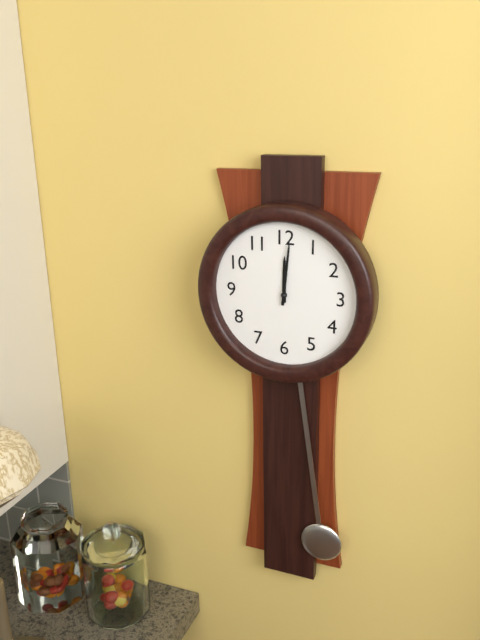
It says 12.01
